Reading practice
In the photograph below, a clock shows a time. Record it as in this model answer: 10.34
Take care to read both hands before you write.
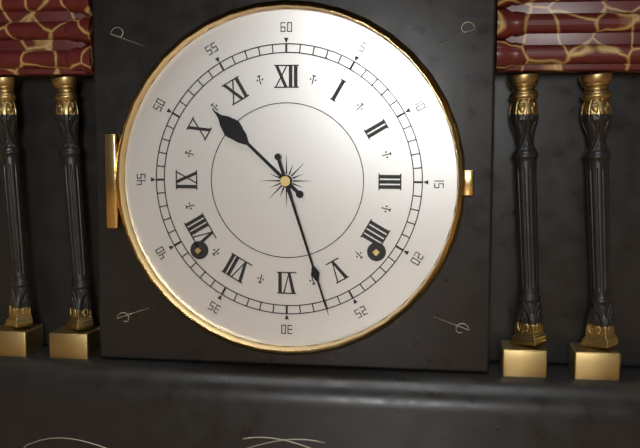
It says 10.27
